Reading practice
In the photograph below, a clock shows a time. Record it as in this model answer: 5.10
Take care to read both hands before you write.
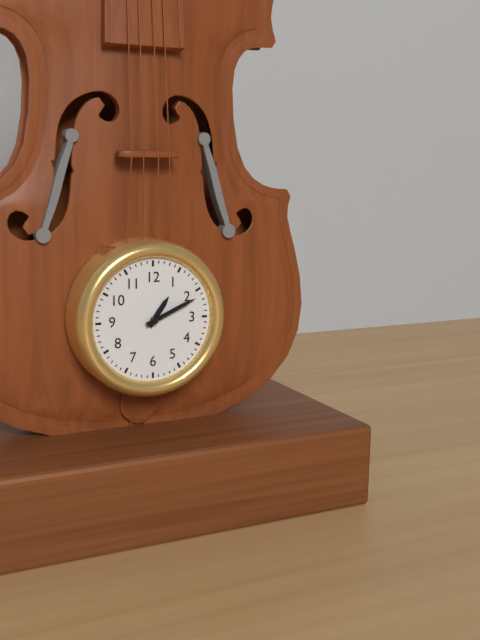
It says 1.11
